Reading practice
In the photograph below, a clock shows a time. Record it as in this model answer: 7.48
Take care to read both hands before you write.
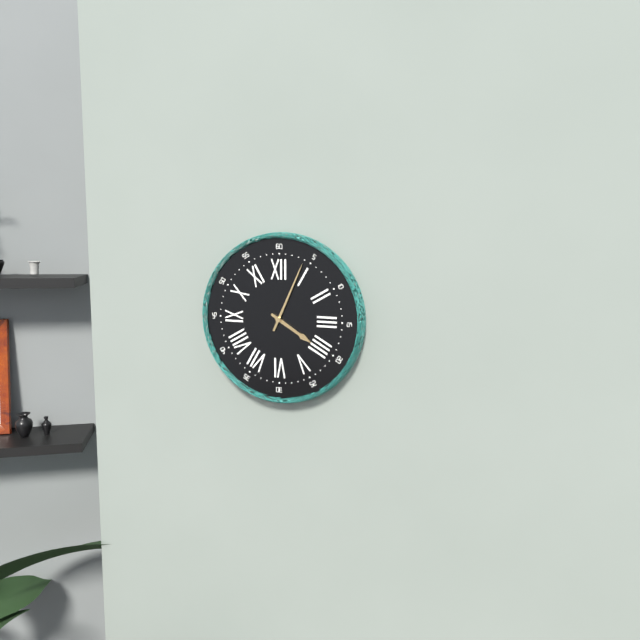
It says 4.04
